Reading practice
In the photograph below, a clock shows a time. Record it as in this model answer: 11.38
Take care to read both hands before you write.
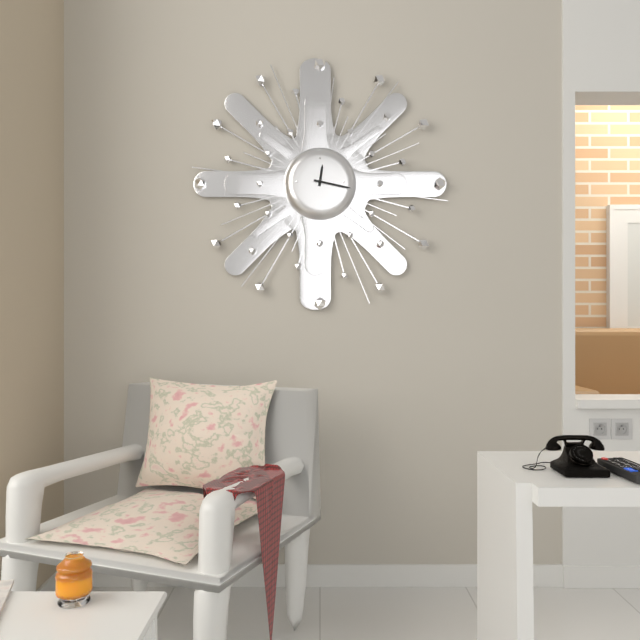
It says 12.17
